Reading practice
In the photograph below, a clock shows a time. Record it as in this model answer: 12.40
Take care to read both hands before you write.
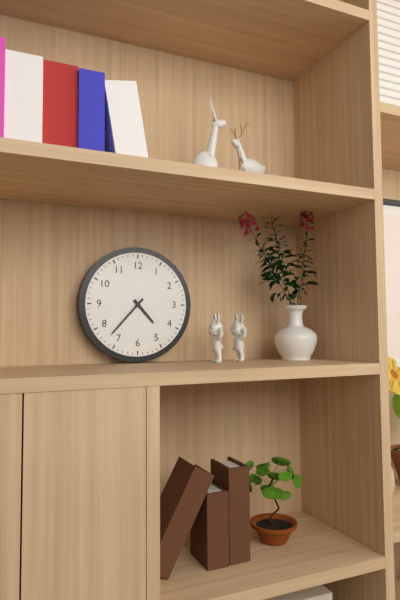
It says 4.37
